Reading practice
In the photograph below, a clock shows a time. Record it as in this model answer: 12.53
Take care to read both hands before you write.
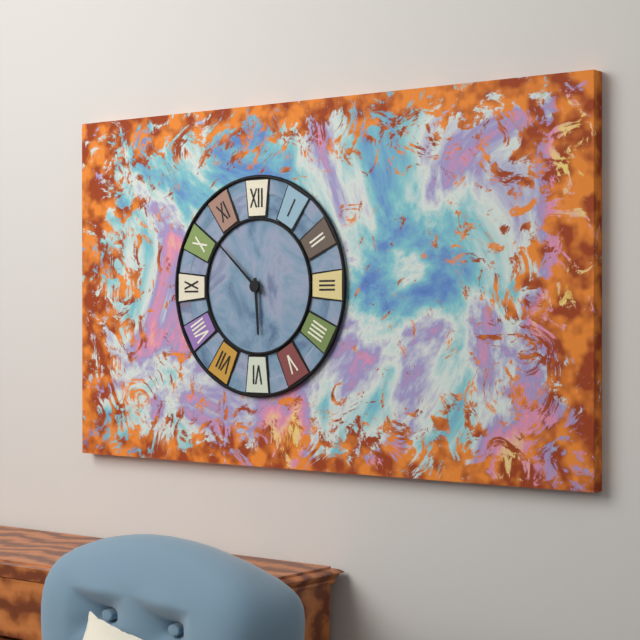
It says 5.52
